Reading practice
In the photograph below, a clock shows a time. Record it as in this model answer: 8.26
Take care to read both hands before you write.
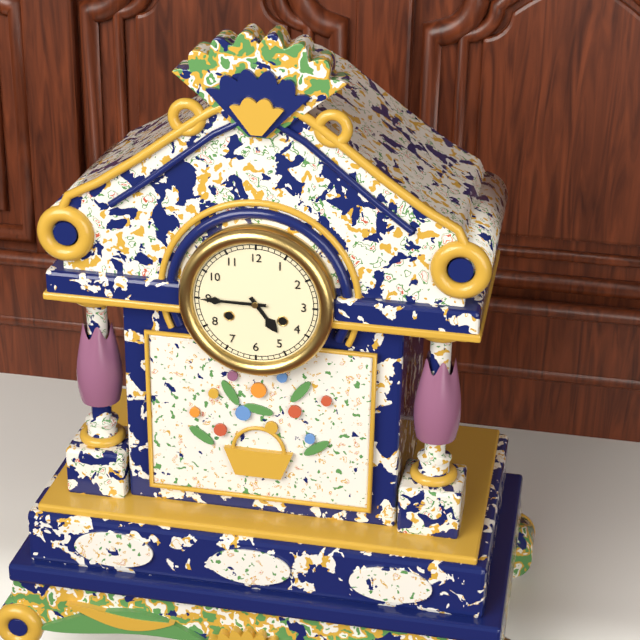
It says 4.45
